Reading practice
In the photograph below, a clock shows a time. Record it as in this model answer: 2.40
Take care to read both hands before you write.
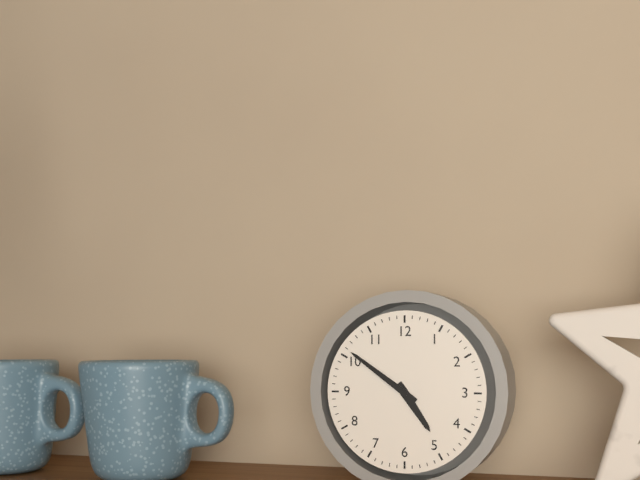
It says 4.51
